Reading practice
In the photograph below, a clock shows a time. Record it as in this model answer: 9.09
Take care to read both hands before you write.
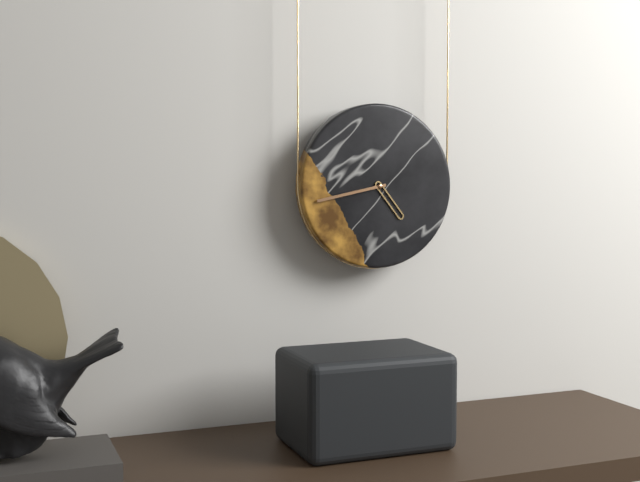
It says 4.43
